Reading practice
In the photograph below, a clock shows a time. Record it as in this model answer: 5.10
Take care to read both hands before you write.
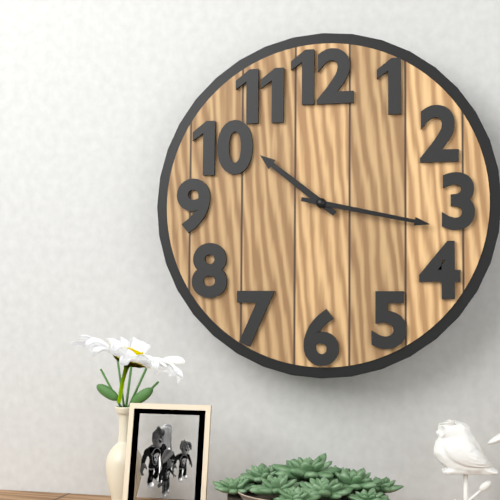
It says 10.17
